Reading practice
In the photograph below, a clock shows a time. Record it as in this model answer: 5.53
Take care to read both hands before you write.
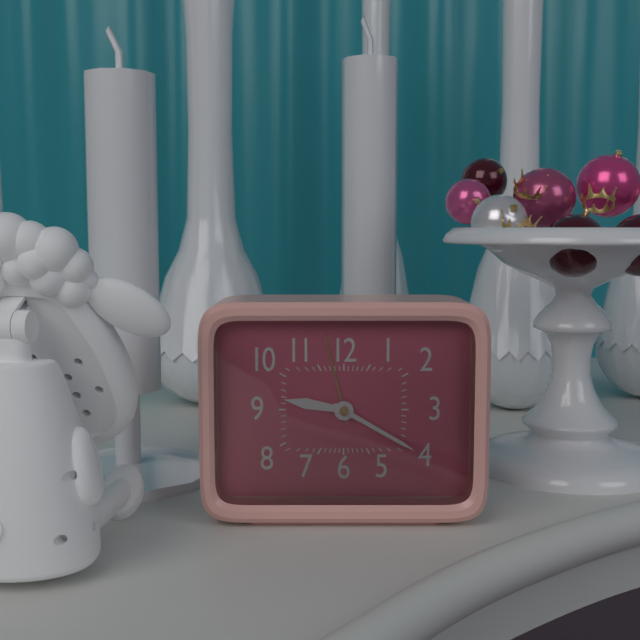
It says 9.20
